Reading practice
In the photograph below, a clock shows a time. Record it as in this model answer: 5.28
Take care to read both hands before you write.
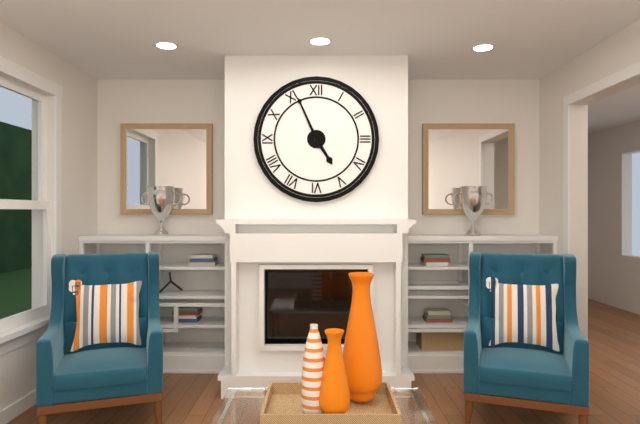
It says 4.56
